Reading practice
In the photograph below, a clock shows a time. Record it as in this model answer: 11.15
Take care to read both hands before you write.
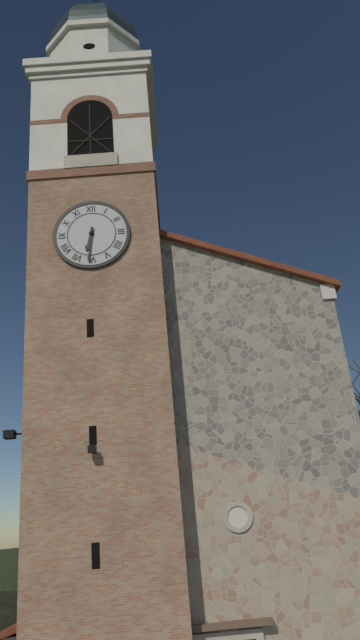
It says 6.31
